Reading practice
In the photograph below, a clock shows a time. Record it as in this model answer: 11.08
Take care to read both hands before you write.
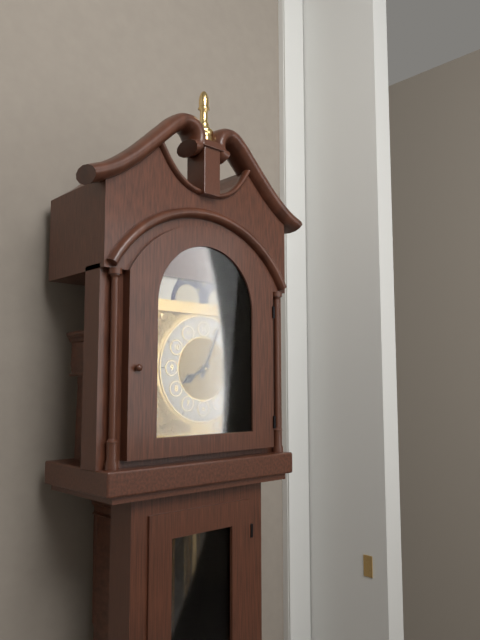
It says 8.04
